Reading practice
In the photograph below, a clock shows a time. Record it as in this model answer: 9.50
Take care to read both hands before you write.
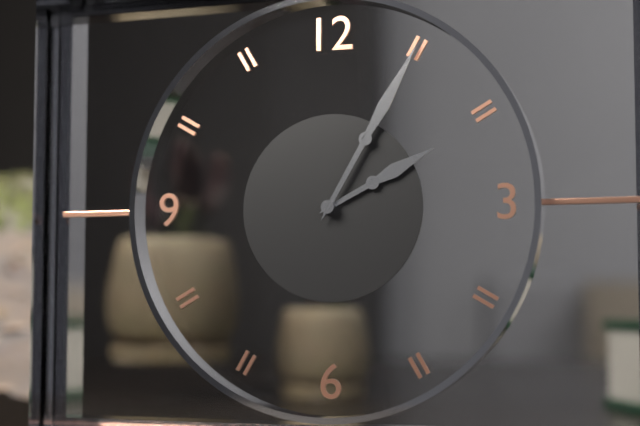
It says 2.05
